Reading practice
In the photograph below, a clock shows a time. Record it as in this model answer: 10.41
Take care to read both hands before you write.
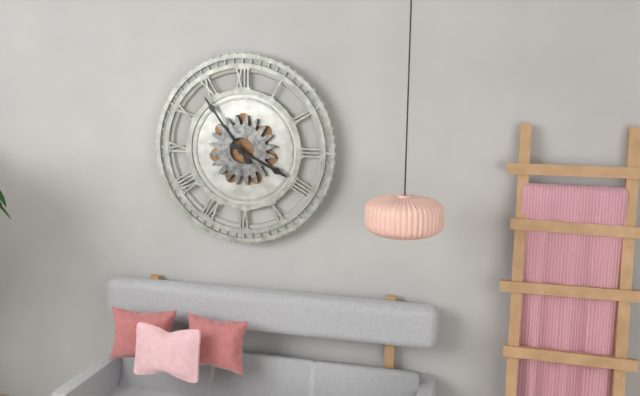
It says 3.54
